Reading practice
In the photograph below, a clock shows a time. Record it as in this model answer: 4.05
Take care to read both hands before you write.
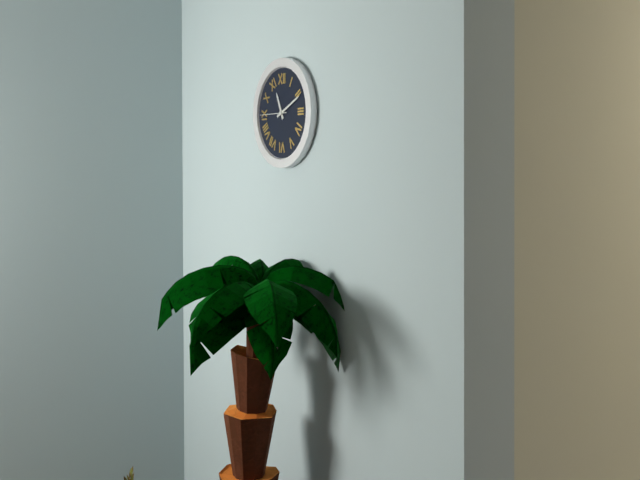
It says 11.11
